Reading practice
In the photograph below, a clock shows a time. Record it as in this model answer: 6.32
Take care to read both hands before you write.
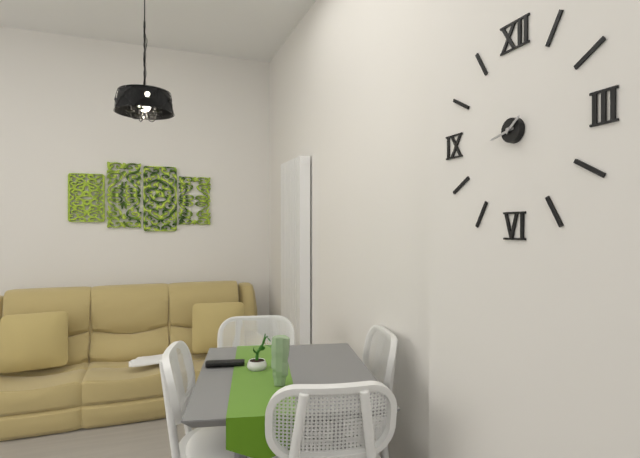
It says 1.43
